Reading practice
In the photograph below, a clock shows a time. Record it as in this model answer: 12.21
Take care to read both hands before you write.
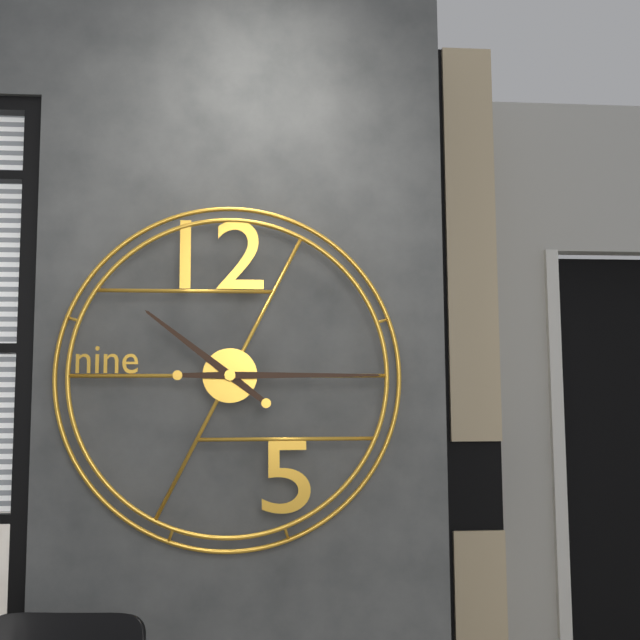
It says 10.15
